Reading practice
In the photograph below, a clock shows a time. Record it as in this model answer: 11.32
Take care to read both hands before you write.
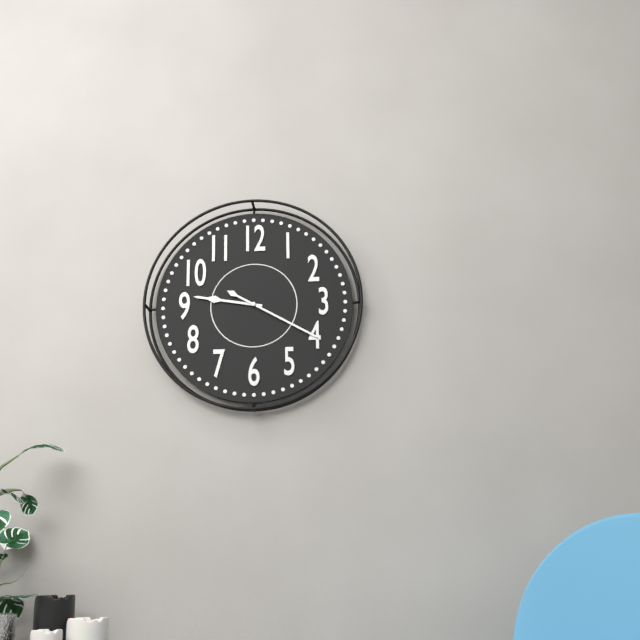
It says 9.20
